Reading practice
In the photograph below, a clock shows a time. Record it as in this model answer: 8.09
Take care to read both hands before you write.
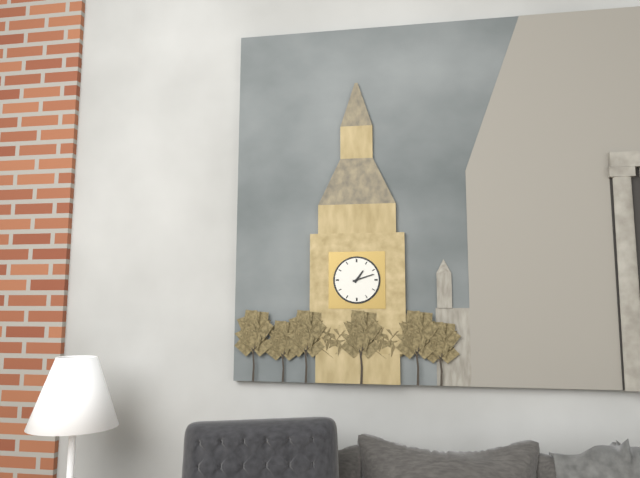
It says 1.12
